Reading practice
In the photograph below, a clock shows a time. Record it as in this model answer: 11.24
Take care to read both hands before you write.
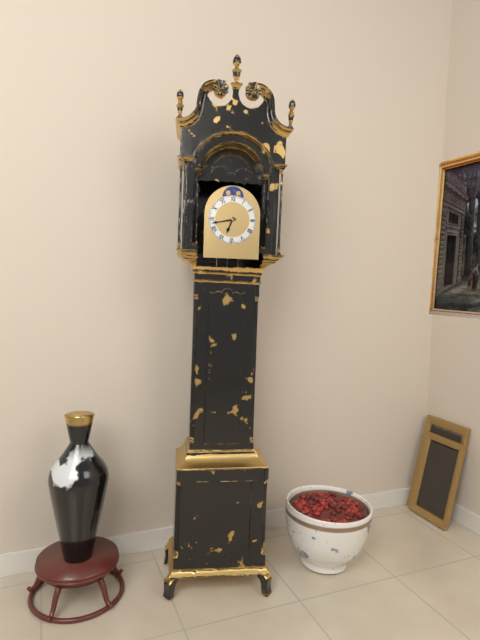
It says 6.43
